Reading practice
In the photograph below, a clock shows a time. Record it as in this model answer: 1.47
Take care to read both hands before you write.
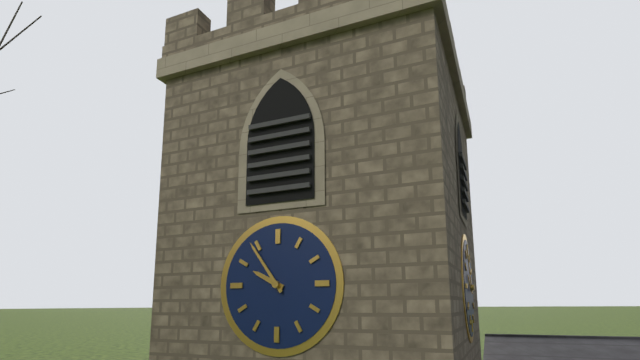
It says 9.54
